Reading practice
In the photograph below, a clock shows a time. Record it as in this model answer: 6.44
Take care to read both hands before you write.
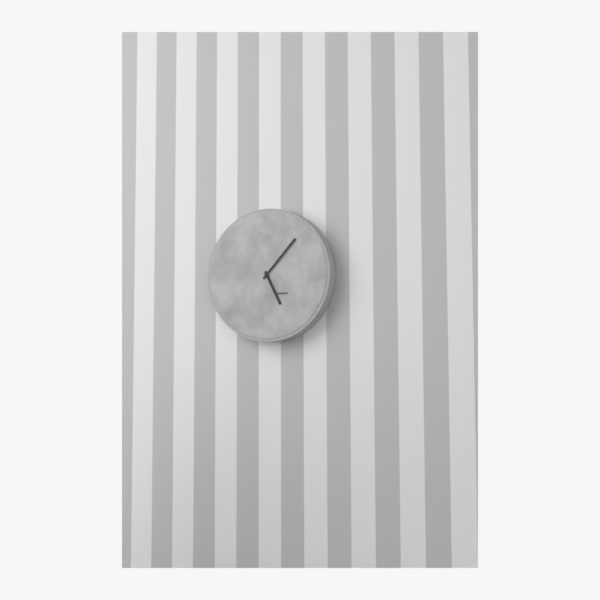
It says 5.07
